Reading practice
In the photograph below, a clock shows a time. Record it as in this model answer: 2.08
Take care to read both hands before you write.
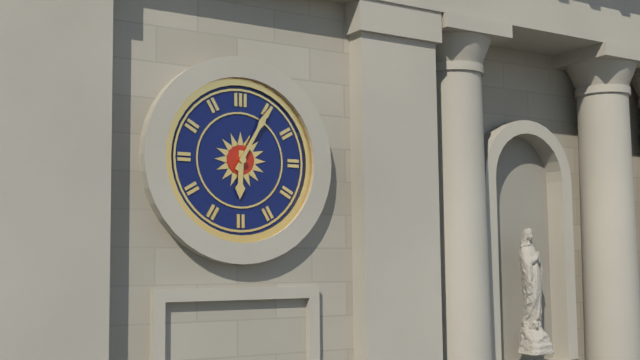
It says 6.05
